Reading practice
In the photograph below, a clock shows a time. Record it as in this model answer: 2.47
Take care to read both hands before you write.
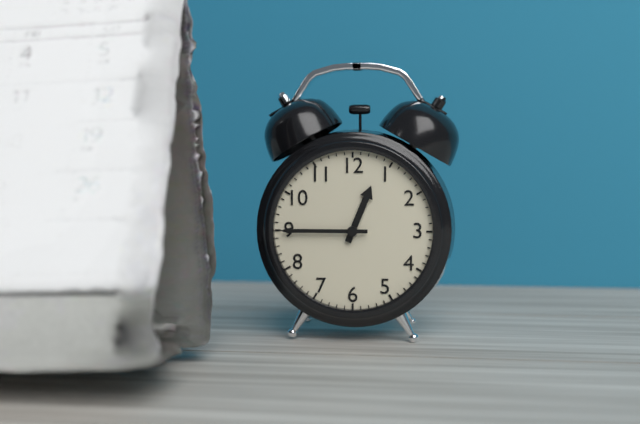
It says 12.45
